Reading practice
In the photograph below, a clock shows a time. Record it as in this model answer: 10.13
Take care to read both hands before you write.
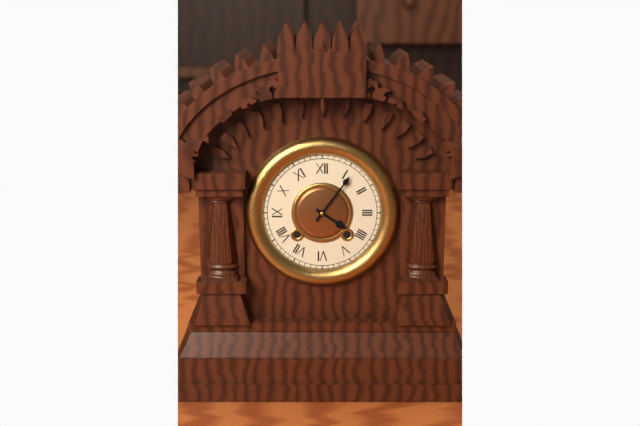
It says 4.06
